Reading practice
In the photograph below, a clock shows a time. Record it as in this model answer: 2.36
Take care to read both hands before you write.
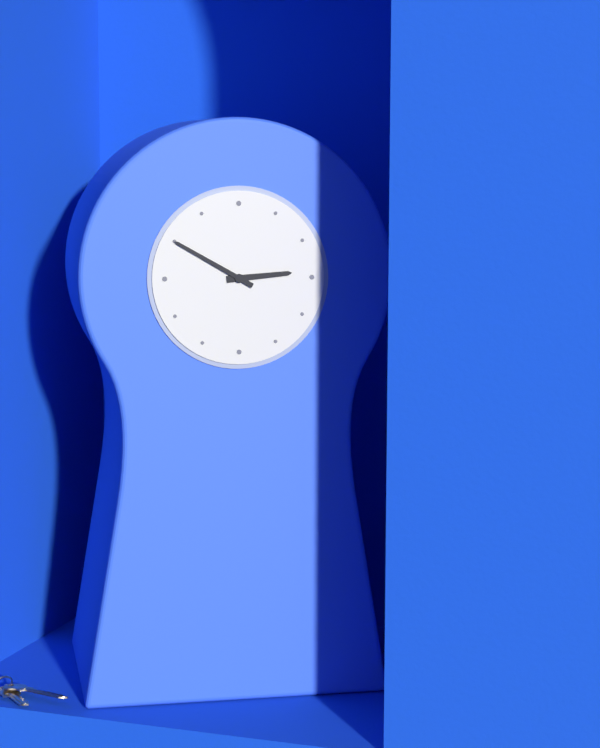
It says 2.50
